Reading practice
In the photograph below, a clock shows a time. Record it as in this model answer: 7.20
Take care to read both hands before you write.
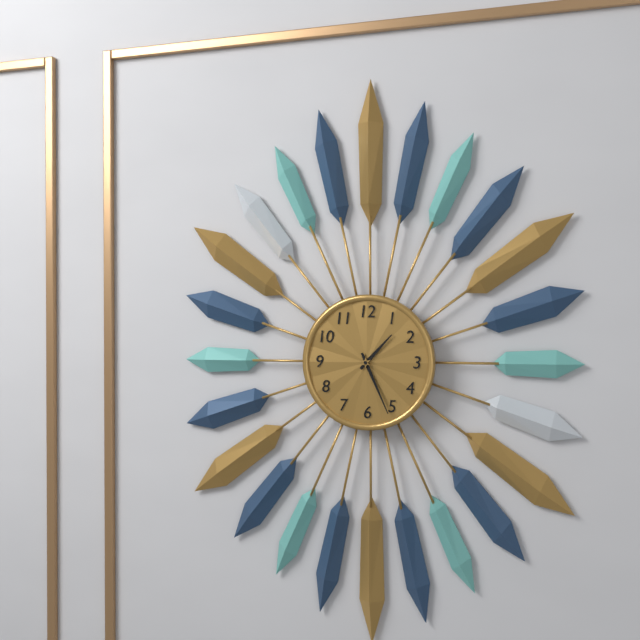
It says 1.26
